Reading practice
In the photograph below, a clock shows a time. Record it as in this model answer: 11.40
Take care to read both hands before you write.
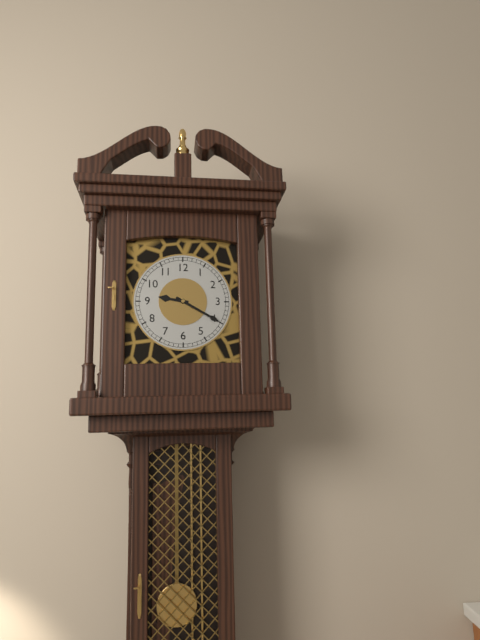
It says 9.20
